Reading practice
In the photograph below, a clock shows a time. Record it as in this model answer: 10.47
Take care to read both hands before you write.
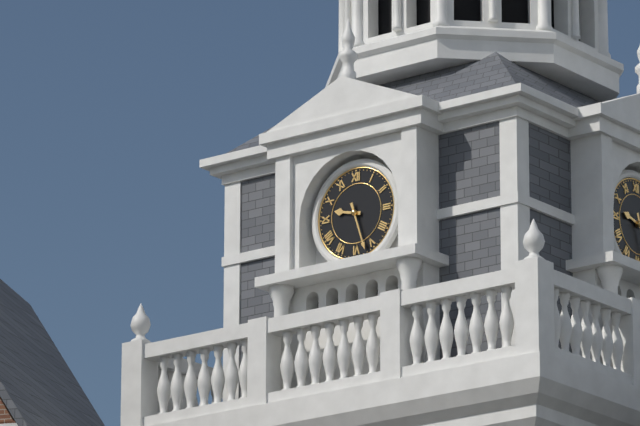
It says 9.27
